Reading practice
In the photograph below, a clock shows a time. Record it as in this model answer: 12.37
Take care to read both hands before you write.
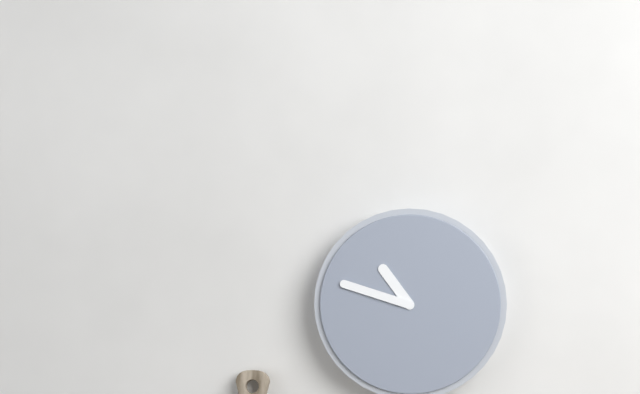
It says 10.48
